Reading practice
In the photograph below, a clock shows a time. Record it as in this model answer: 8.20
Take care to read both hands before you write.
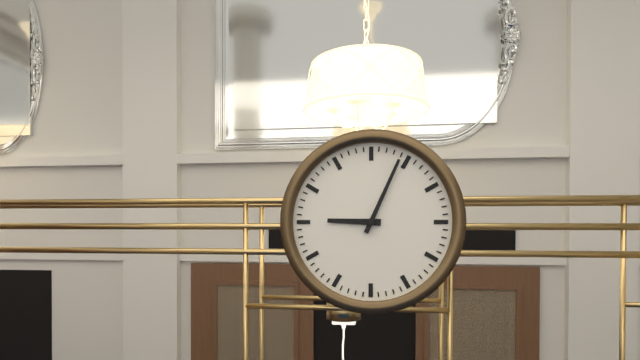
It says 9.04
